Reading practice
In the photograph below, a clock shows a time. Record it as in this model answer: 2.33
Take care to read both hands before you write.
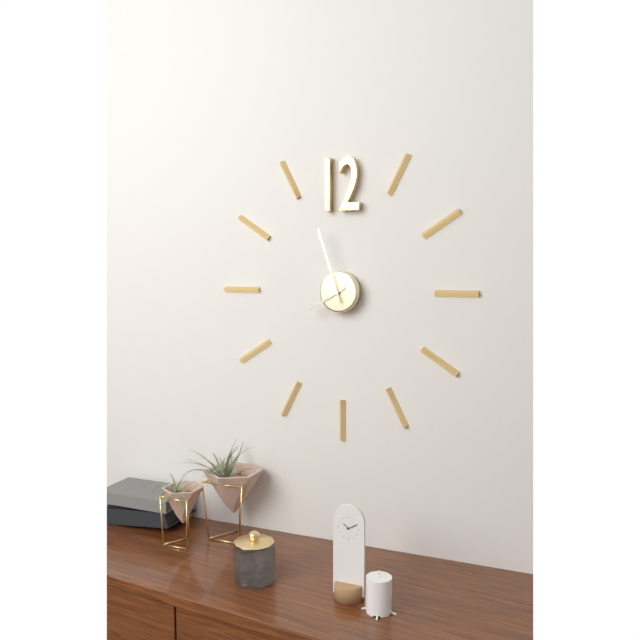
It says 7.57
